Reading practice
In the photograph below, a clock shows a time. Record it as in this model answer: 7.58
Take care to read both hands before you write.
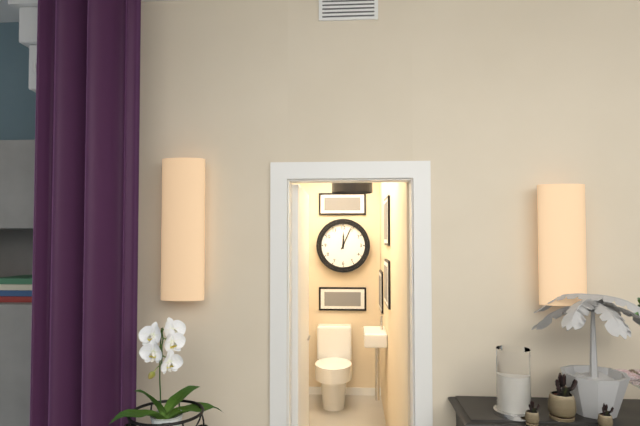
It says 12.04
